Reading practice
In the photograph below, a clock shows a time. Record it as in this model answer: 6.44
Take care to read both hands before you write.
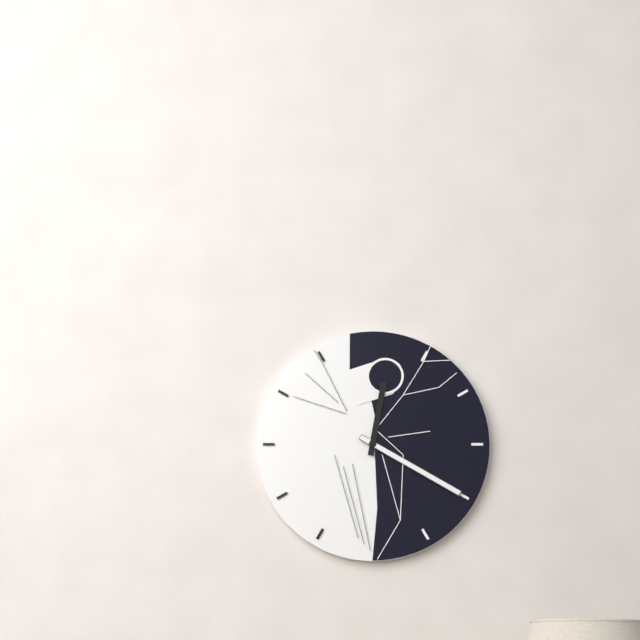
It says 12.20
